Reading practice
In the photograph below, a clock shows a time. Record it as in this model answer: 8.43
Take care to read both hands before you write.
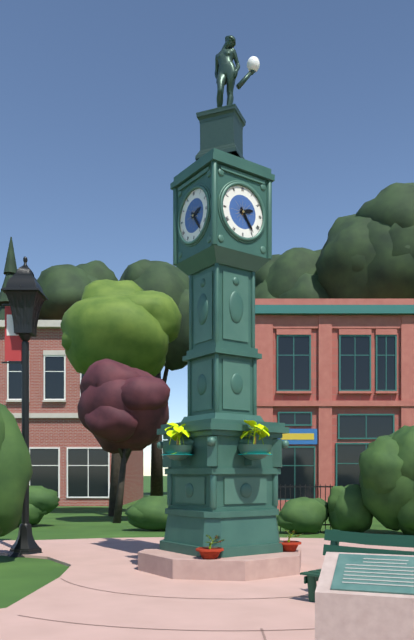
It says 2.24
